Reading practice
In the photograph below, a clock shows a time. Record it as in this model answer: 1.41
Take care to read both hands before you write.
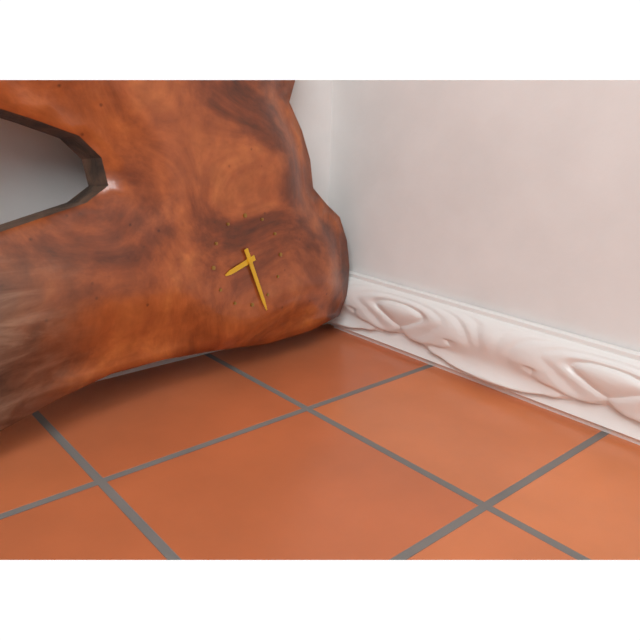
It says 8.27
